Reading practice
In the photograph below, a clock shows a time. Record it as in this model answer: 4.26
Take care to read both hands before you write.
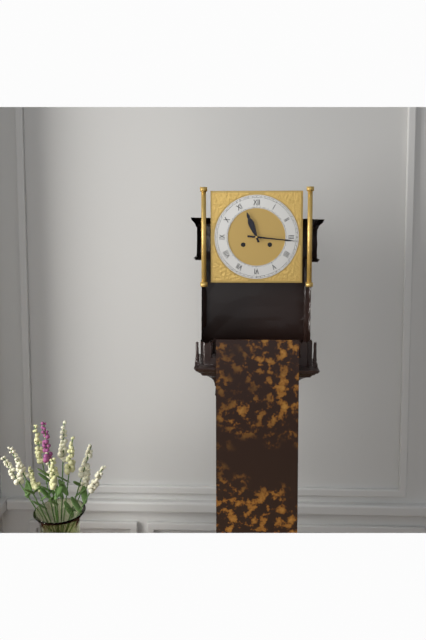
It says 11.16
